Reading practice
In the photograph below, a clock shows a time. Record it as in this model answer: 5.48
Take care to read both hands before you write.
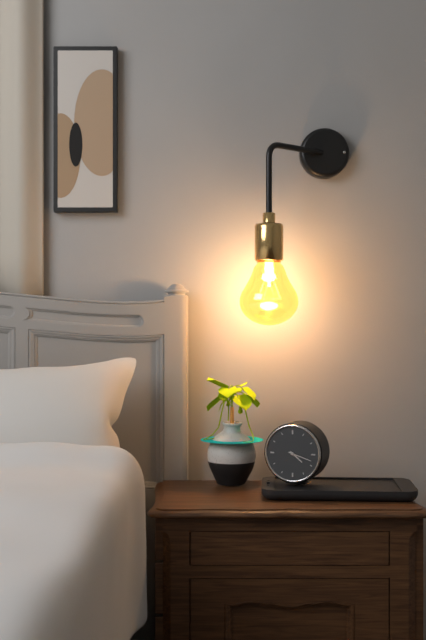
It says 4.18
